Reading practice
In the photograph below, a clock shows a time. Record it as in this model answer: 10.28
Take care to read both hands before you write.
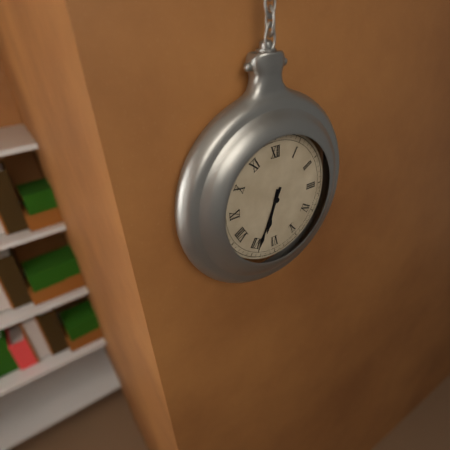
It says 6.34
